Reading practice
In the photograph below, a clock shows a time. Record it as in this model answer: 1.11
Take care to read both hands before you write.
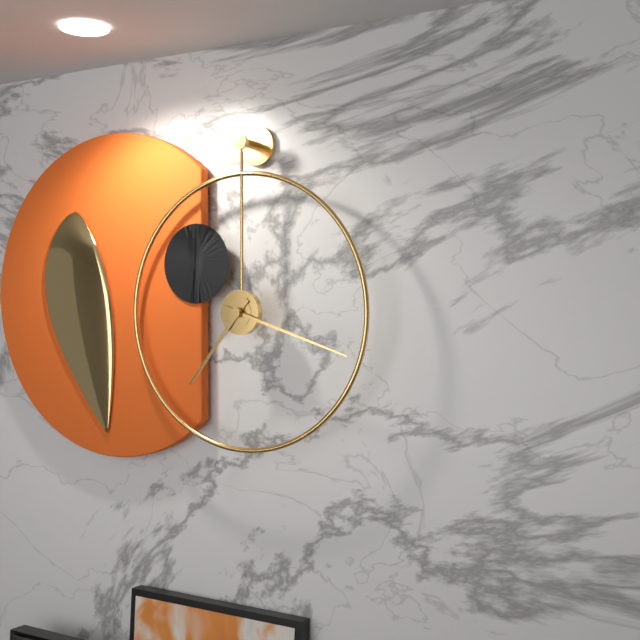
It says 7.18
